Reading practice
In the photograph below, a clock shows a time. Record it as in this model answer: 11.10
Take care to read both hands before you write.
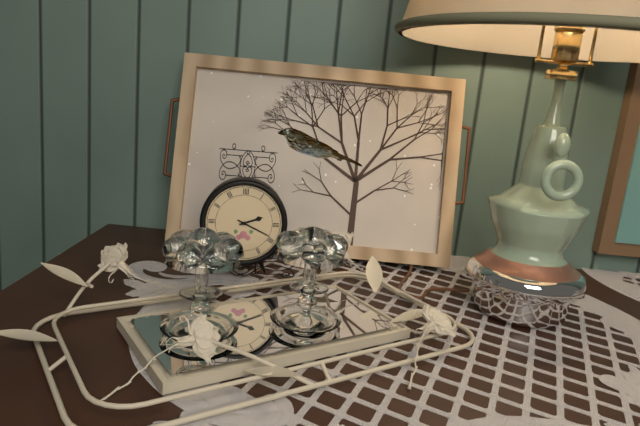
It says 2.19
